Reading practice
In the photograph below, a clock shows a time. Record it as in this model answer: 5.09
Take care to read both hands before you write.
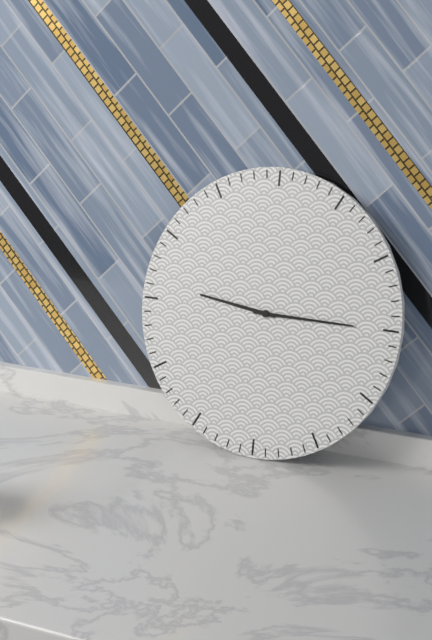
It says 9.15
